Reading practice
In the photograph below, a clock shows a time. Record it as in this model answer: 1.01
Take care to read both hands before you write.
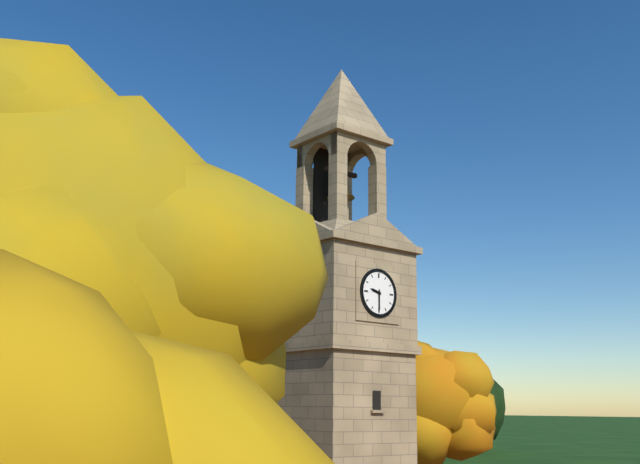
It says 9.30
